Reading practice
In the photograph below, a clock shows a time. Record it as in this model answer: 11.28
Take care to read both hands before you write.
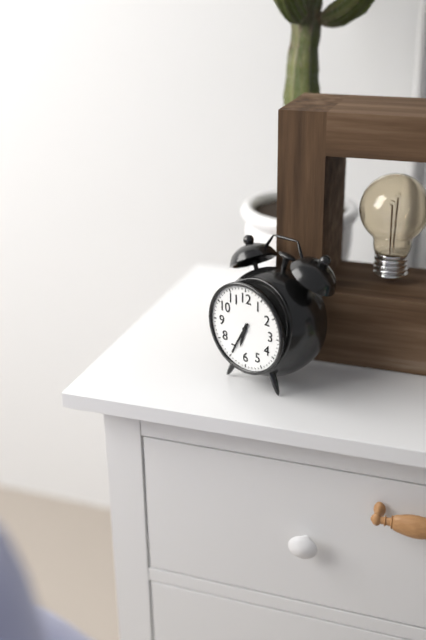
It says 6.35
